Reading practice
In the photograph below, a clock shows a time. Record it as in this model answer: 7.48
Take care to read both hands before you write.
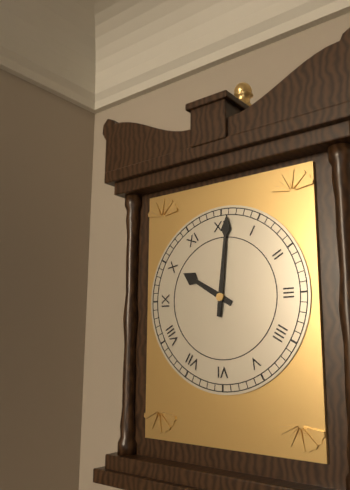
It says 10.01
